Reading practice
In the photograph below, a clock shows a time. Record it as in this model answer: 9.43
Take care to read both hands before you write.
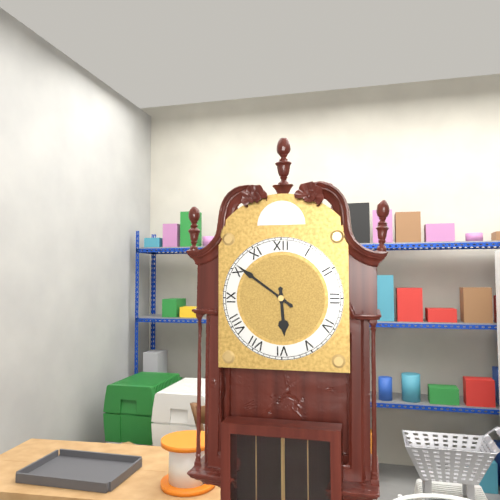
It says 5.51
